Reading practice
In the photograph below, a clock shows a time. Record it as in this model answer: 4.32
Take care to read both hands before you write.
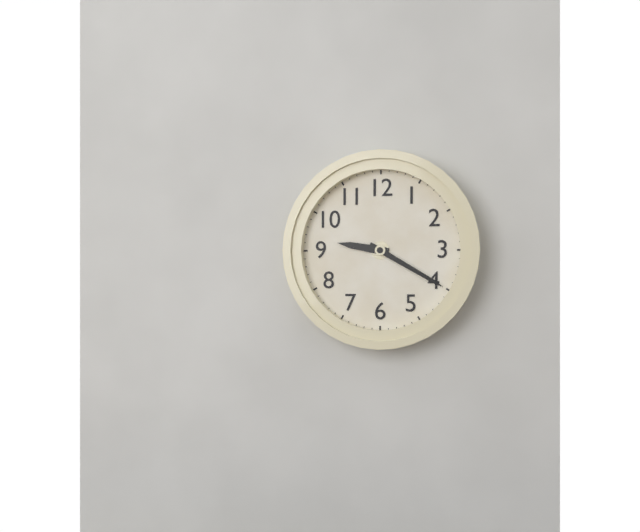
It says 9.20
